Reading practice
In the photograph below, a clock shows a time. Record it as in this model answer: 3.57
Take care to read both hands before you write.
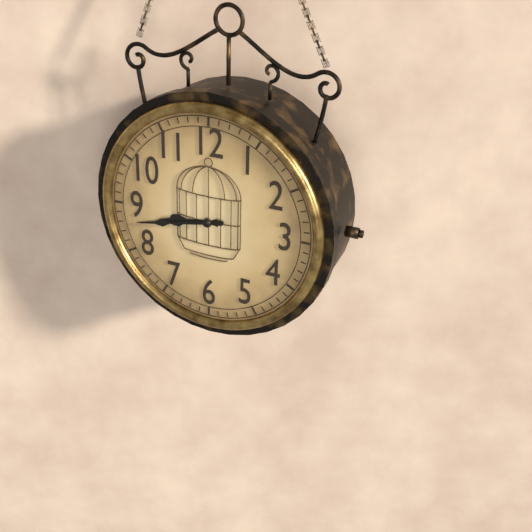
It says 8.43
